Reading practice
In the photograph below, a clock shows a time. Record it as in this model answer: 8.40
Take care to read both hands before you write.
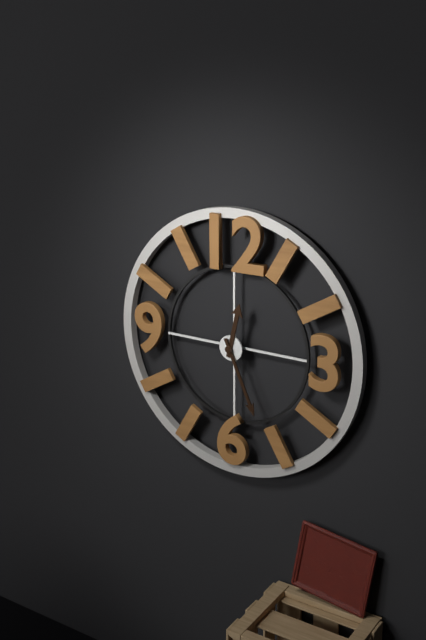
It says 12.26
